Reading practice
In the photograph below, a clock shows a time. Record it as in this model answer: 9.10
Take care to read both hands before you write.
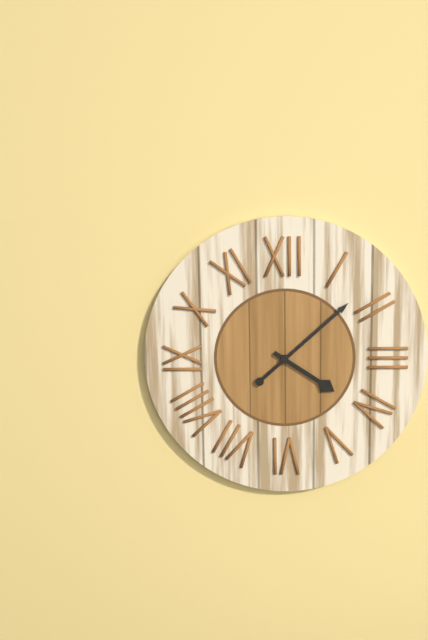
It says 4.08
